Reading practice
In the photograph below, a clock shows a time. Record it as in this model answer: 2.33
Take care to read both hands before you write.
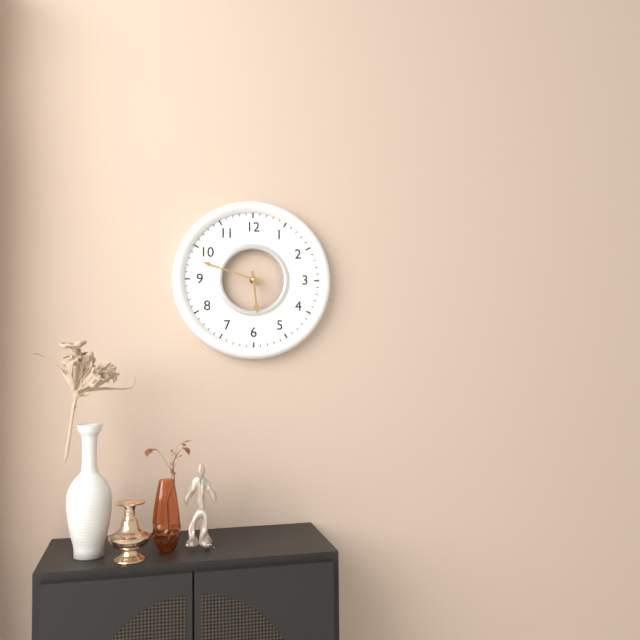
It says 5.48
